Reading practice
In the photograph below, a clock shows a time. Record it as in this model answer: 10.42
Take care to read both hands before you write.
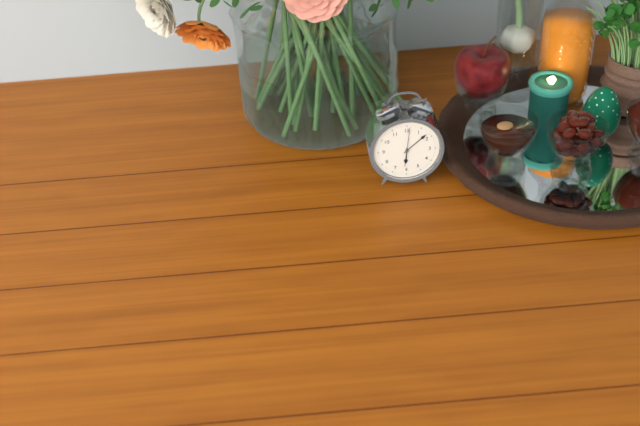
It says 6.08
